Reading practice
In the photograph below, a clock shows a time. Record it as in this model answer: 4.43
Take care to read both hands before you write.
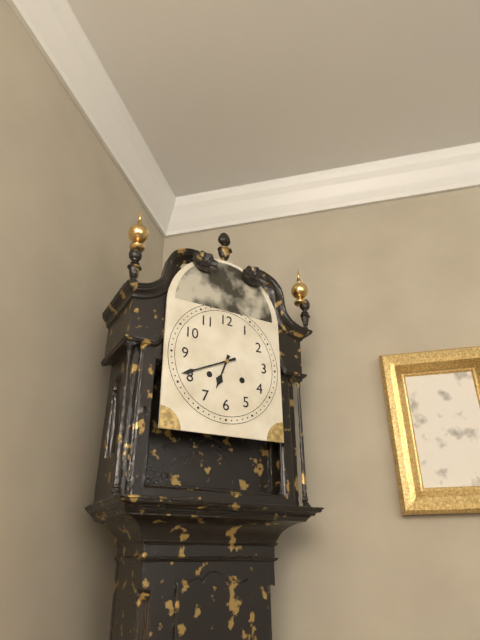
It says 6.41
